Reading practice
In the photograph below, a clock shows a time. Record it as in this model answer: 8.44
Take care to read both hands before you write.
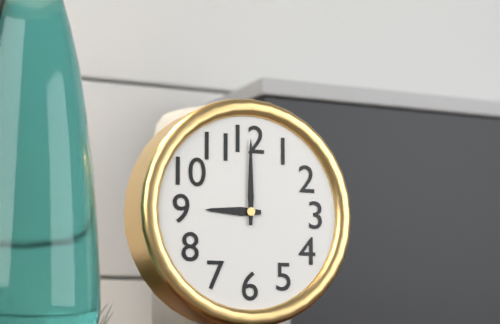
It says 9.00
